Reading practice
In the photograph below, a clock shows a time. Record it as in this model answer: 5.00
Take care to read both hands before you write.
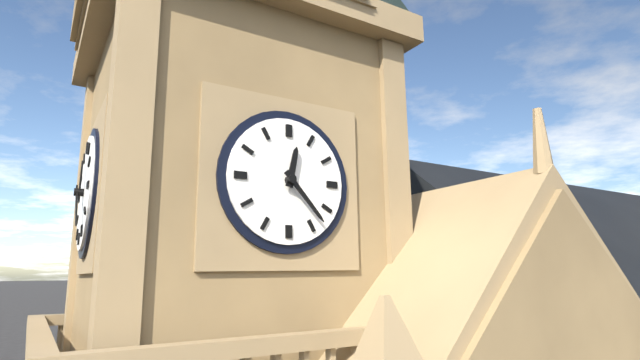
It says 12.23
